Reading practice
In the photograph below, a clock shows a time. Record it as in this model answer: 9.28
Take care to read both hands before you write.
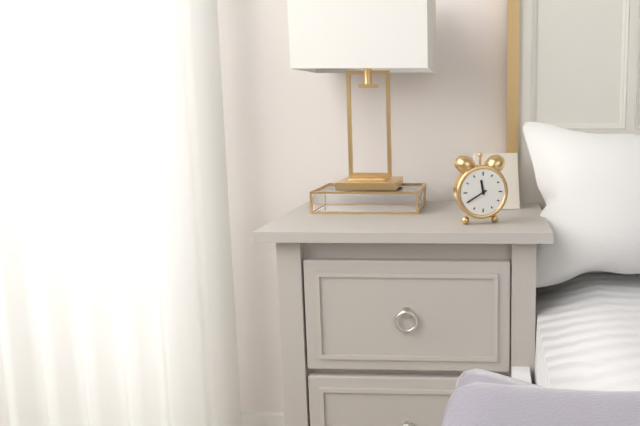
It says 11.40
